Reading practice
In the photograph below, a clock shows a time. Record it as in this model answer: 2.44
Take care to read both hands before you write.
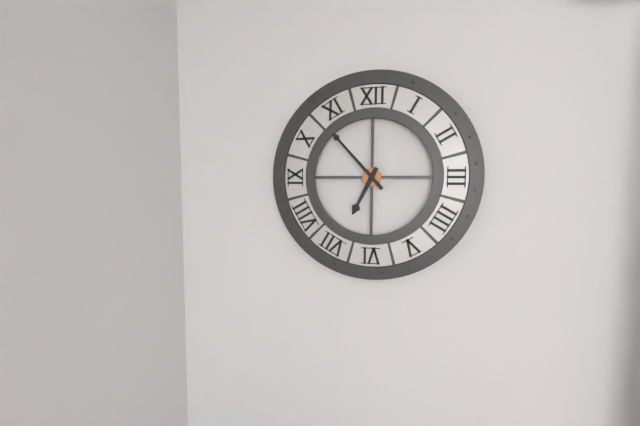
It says 6.53
